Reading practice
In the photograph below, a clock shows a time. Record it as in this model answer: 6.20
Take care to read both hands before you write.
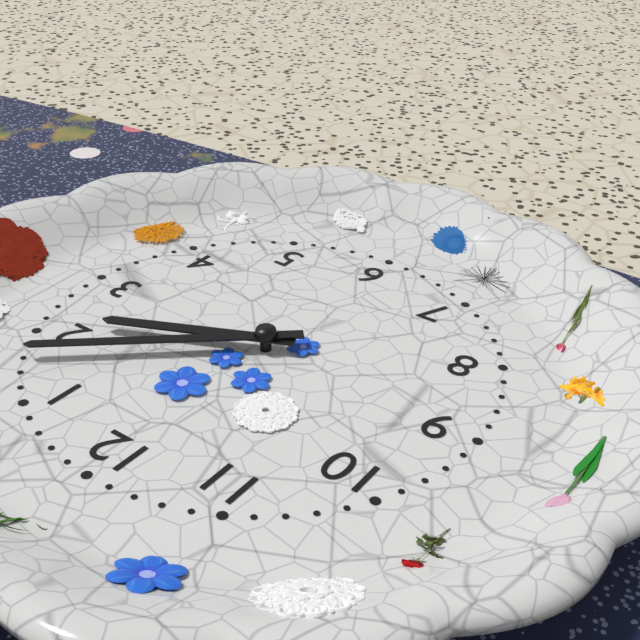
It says 2.08
